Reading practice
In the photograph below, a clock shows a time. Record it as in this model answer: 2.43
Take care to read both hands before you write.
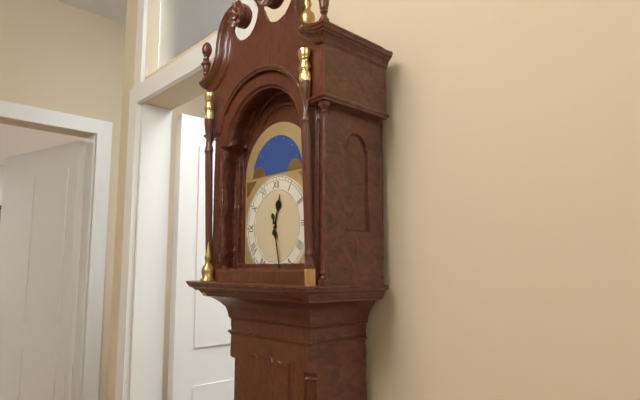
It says 12.28
